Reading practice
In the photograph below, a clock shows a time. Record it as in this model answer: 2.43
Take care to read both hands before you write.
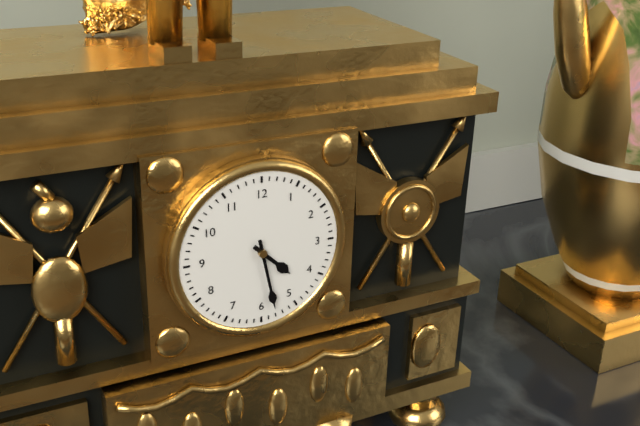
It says 4.28
